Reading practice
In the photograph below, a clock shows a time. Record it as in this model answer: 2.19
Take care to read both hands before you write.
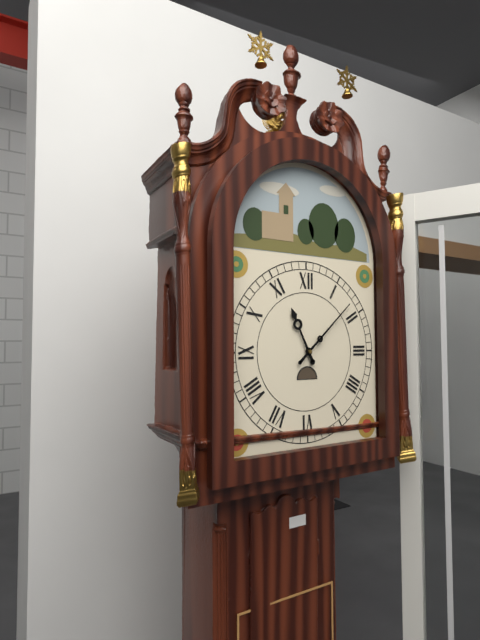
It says 11.08
